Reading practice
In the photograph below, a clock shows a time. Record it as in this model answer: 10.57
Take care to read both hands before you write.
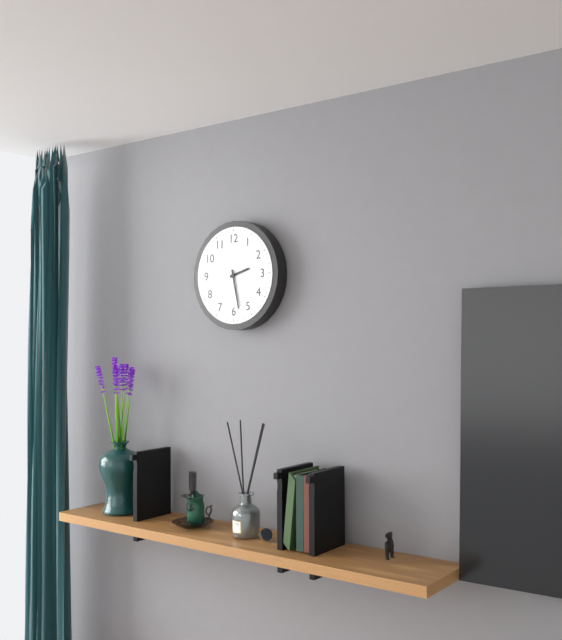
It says 2.28
